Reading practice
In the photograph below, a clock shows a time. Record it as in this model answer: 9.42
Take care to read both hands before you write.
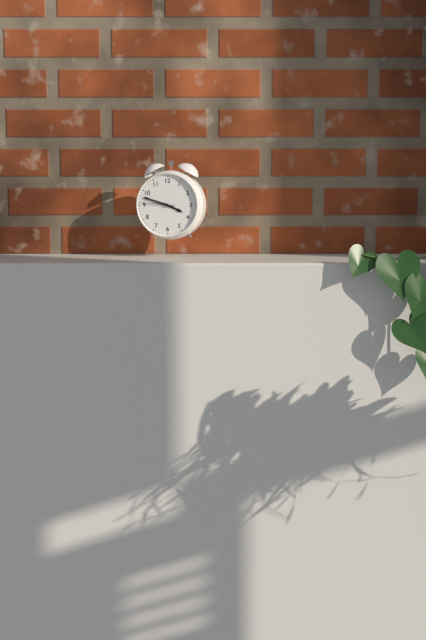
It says 3.48
